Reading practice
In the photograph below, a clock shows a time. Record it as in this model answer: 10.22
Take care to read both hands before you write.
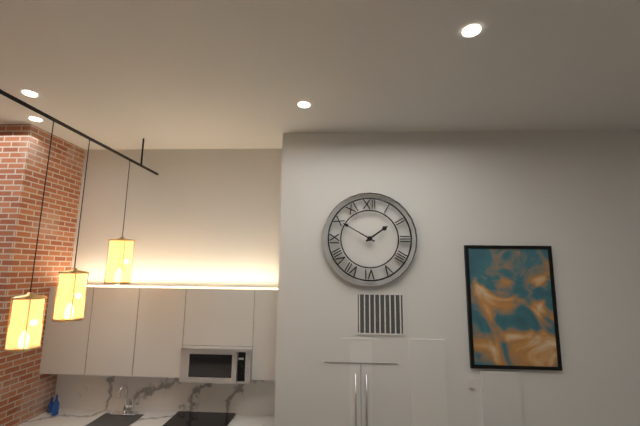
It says 1.50
